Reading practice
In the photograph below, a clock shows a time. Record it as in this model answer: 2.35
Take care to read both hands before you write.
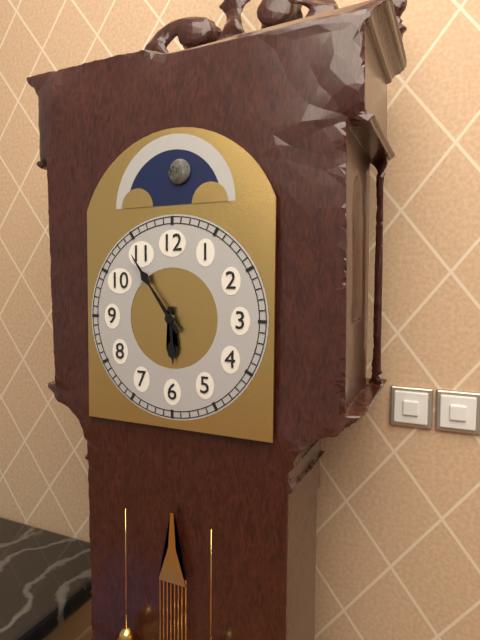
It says 5.54
